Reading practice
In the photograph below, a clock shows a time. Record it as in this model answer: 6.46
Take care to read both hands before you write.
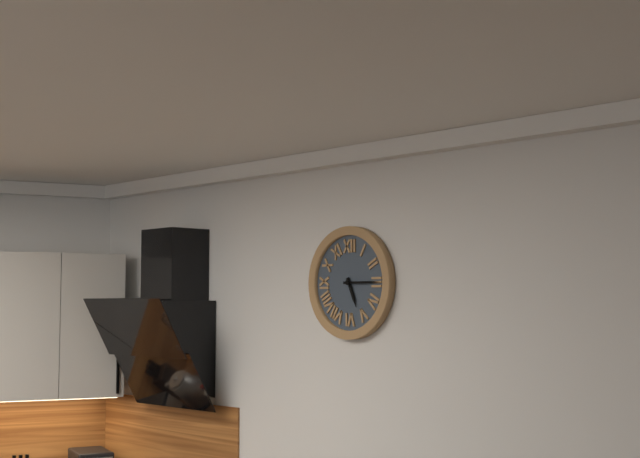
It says 5.15
